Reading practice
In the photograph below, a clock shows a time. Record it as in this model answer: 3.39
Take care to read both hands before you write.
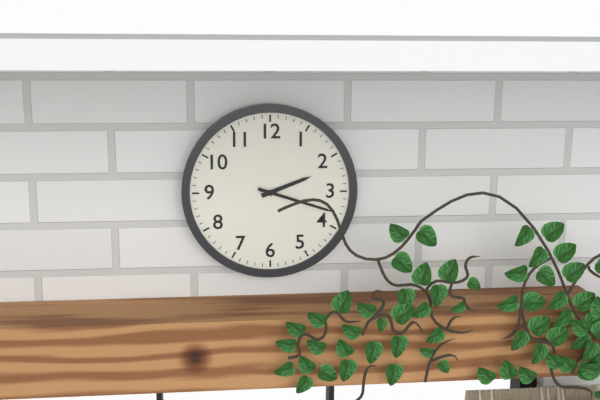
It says 2.18
